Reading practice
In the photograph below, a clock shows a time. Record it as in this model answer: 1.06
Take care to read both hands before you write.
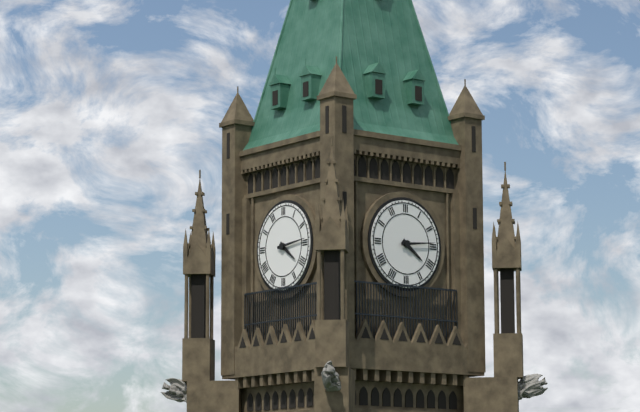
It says 4.14
